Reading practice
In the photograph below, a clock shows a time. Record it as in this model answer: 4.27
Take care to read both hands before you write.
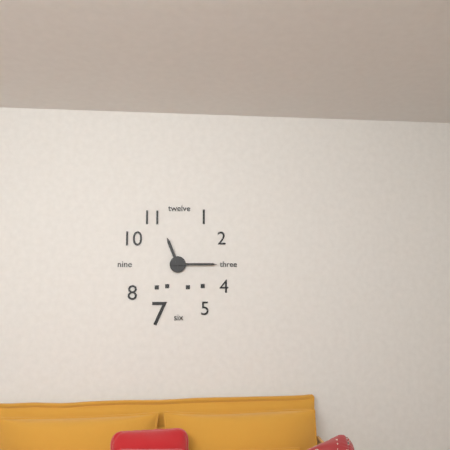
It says 11.15
